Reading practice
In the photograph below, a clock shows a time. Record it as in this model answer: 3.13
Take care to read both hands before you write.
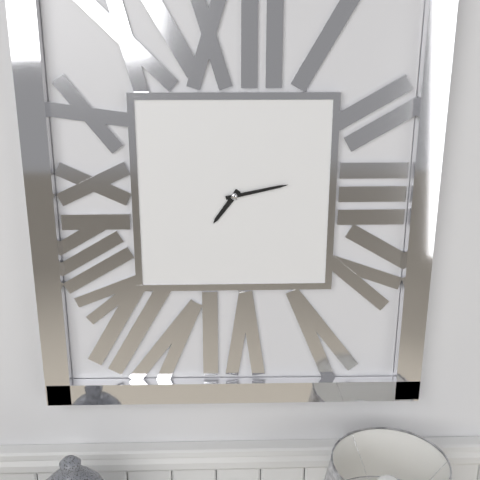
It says 7.13
